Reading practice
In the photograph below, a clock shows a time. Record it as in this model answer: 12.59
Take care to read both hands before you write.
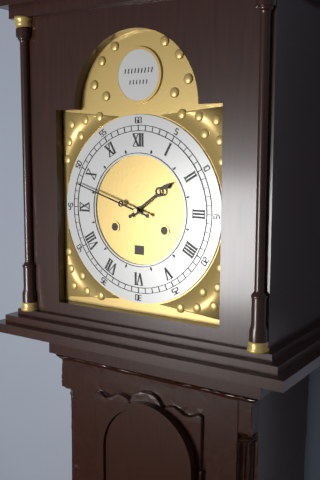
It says 1.48
